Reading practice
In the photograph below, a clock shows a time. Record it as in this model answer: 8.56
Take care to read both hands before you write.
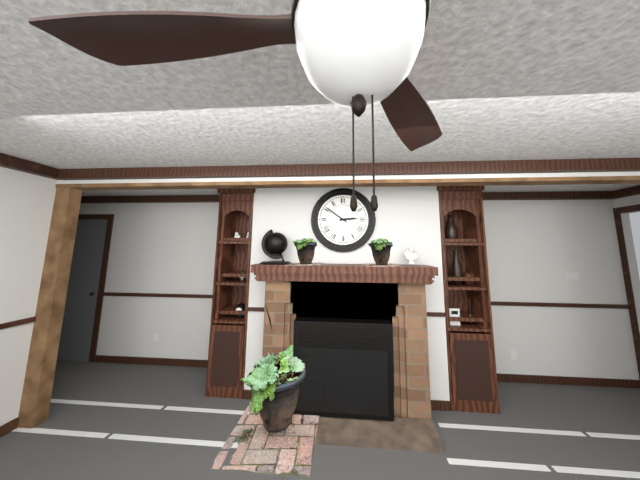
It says 2.51
